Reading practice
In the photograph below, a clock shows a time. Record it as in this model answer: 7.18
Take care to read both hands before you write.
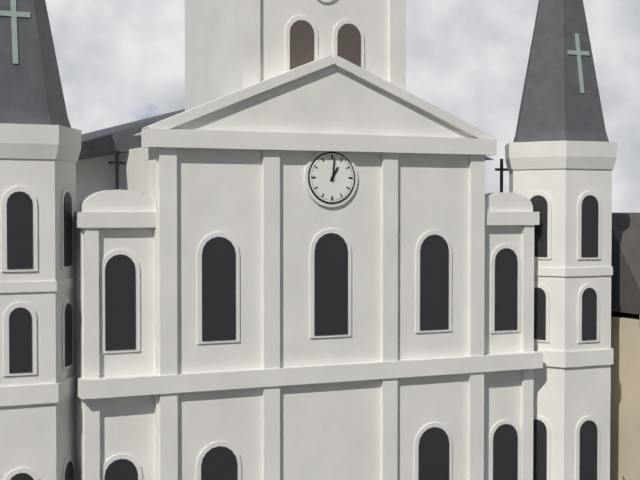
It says 1.01
